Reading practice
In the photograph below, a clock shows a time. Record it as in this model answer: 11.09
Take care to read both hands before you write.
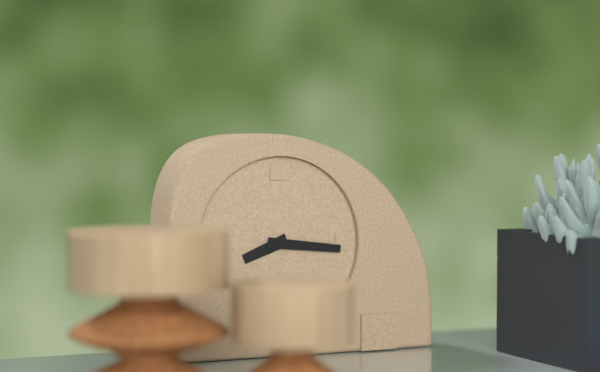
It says 8.16
